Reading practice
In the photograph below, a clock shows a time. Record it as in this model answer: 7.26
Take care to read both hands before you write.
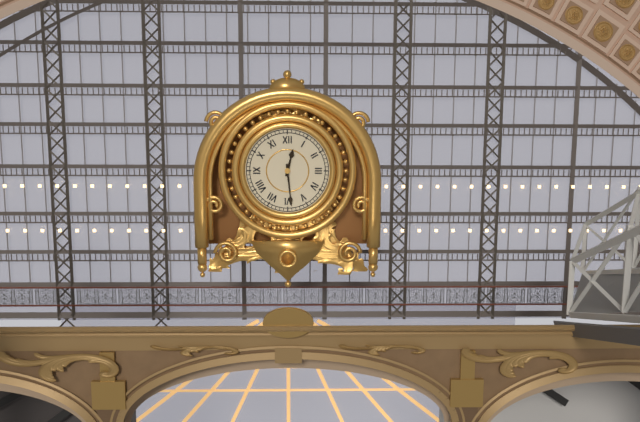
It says 12.29
